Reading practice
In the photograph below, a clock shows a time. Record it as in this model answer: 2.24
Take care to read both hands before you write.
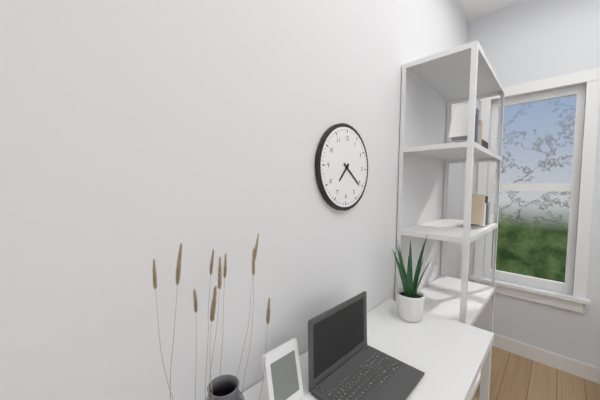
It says 7.21
